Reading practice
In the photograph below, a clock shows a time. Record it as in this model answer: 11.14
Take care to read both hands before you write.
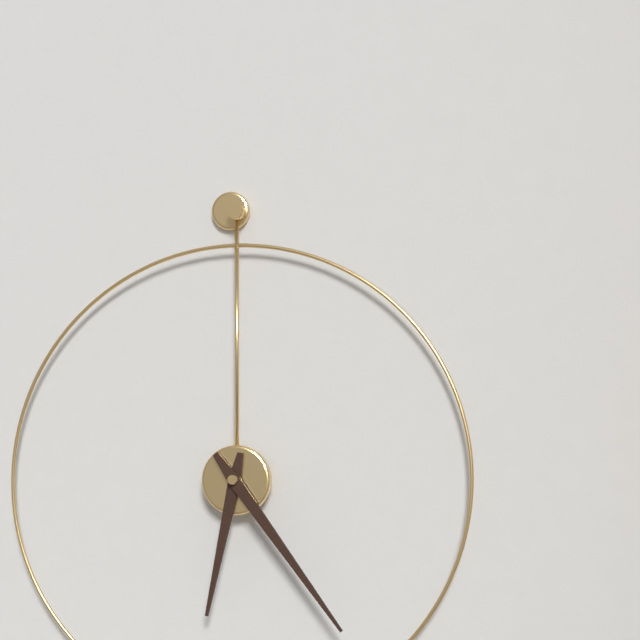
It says 6.24
